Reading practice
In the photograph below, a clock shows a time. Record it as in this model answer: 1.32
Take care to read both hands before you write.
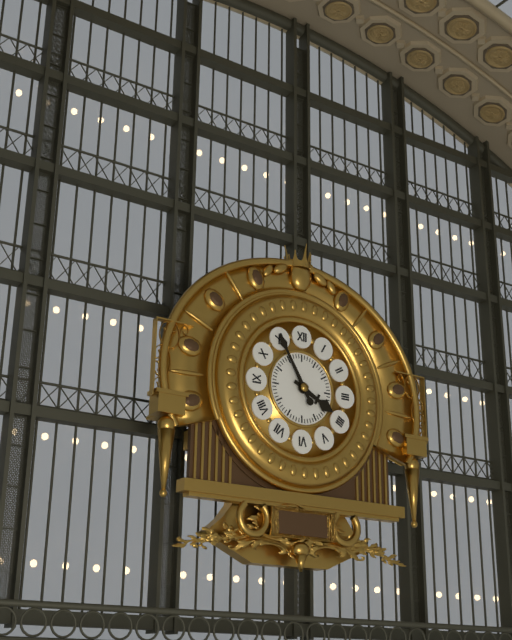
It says 3.55
